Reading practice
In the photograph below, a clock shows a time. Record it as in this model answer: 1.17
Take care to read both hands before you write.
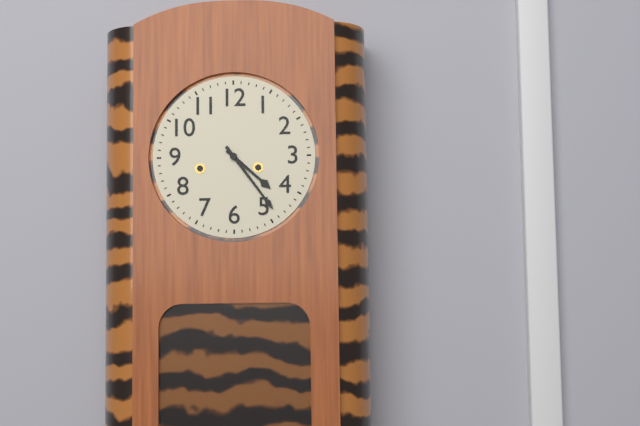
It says 4.24
